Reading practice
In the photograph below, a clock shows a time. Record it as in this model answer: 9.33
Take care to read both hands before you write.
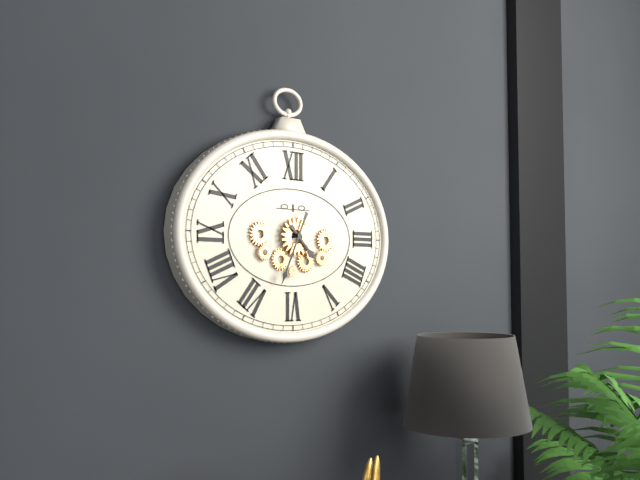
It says 4.34
